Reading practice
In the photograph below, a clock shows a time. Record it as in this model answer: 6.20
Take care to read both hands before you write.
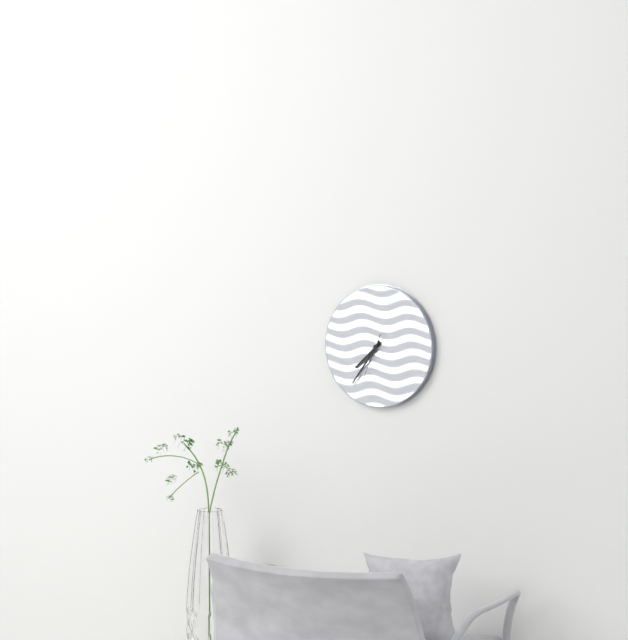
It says 7.36
